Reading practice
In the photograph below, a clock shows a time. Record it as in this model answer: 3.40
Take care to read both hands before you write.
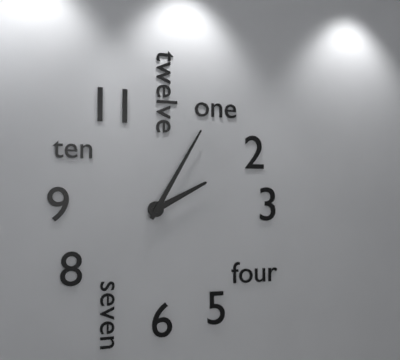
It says 2.05
